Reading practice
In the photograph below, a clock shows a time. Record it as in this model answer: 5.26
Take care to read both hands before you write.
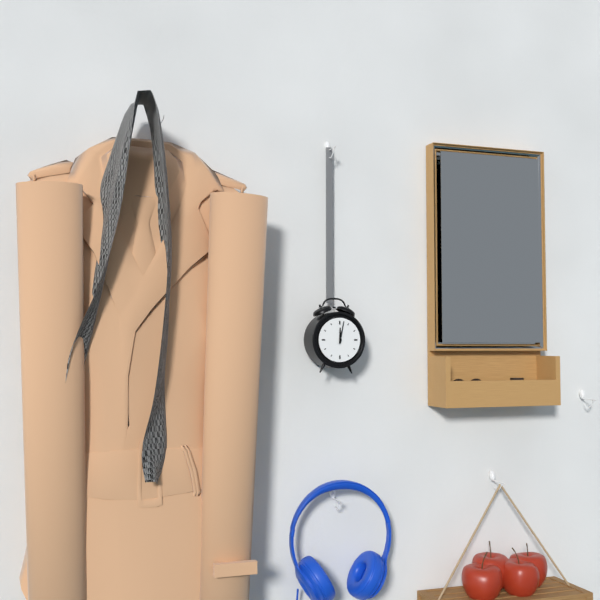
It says 12.02
